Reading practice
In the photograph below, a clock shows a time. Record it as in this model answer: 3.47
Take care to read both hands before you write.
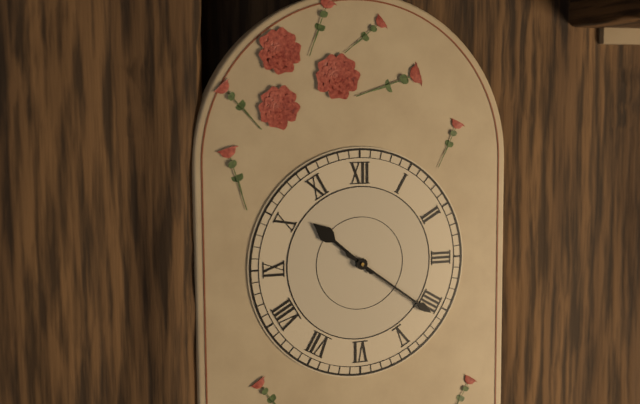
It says 10.21
